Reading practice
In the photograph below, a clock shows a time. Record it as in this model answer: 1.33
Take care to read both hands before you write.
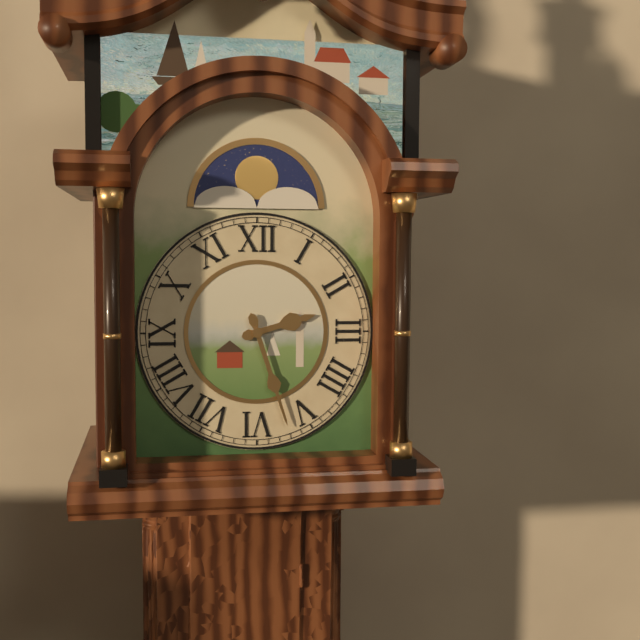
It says 2.27
